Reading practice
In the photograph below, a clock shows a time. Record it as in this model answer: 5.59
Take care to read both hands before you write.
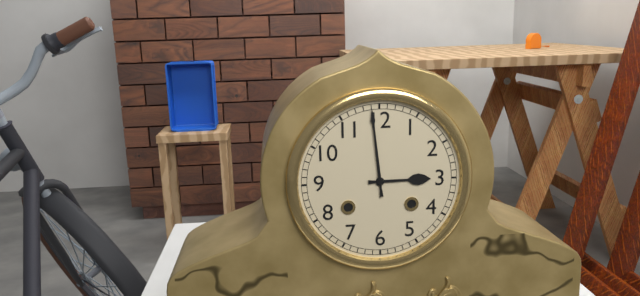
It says 2.59
